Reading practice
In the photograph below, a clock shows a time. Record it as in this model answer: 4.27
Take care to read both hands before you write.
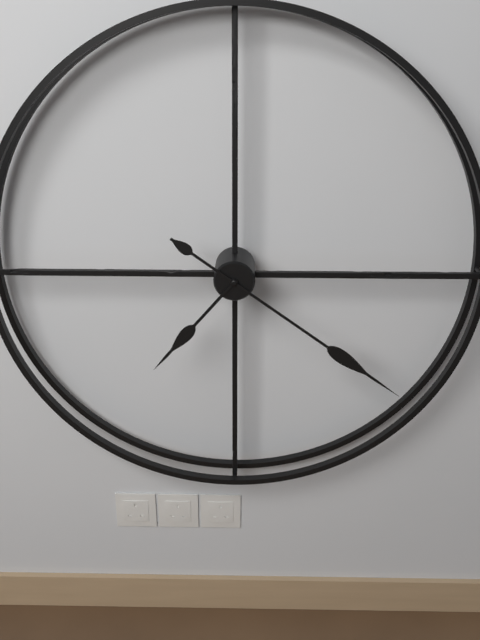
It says 7.21
